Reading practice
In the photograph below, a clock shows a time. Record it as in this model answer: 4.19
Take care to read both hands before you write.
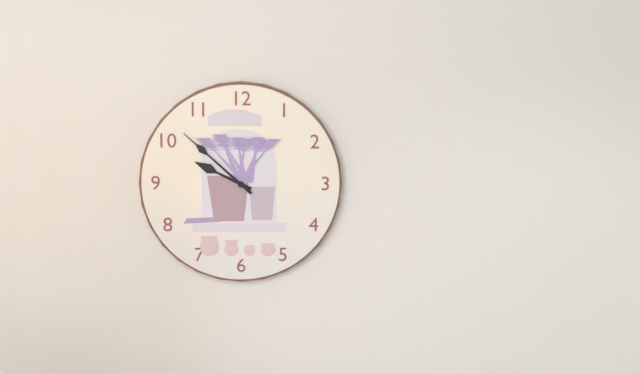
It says 9.52
